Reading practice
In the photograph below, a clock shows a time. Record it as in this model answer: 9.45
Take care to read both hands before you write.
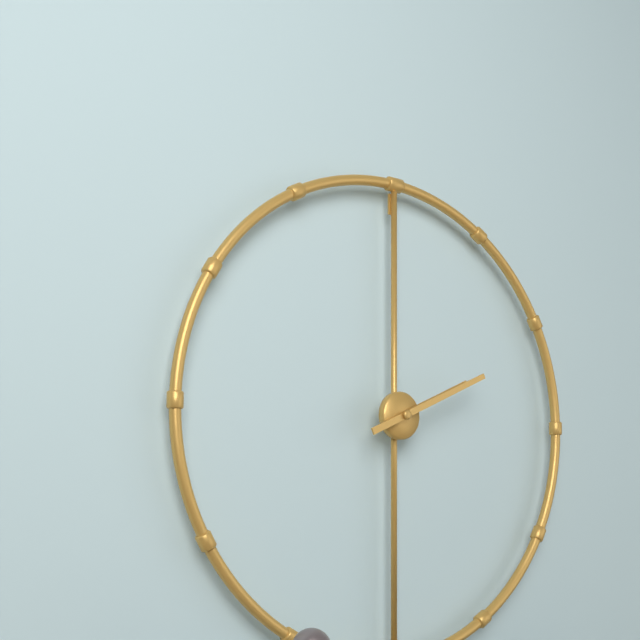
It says 2.11
